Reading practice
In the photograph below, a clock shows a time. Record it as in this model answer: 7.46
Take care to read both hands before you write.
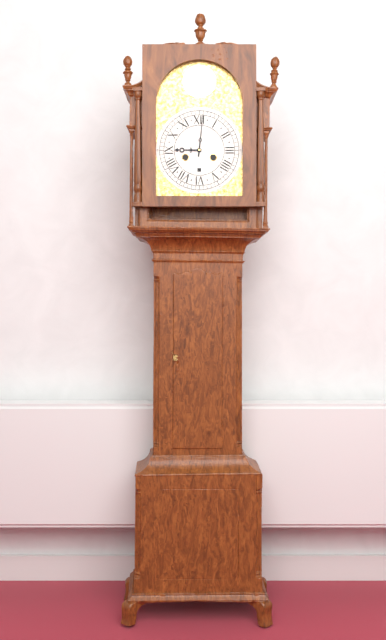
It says 9.01
